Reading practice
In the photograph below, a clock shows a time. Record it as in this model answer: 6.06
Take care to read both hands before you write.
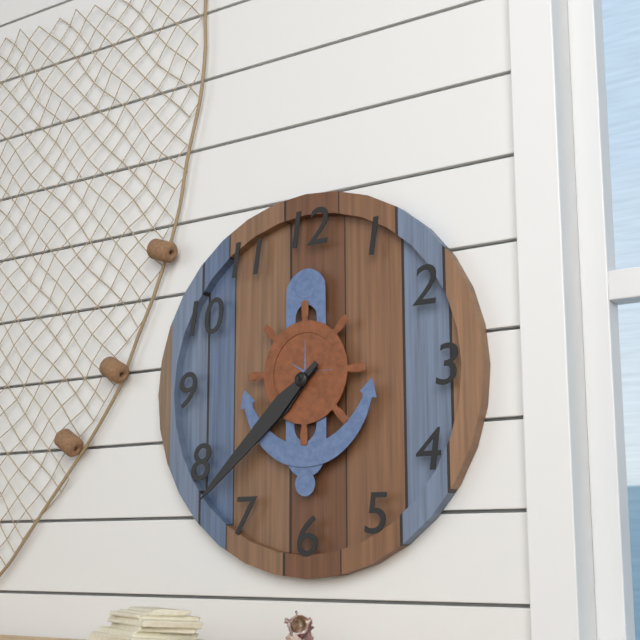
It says 7.38
